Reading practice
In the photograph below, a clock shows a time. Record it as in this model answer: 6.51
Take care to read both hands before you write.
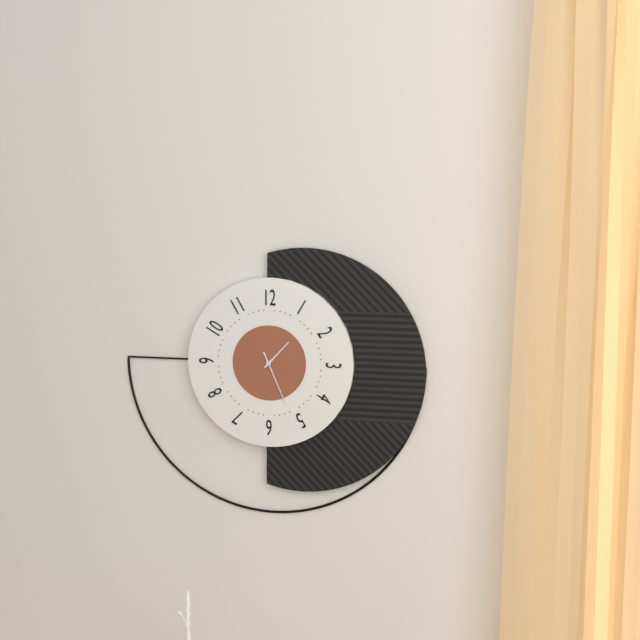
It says 1.26
